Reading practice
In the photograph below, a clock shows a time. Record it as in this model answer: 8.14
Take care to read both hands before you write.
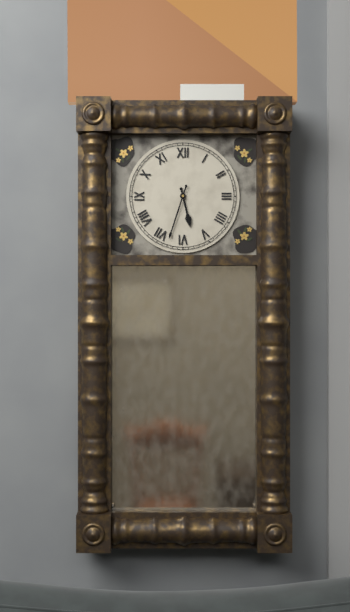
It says 5.33
